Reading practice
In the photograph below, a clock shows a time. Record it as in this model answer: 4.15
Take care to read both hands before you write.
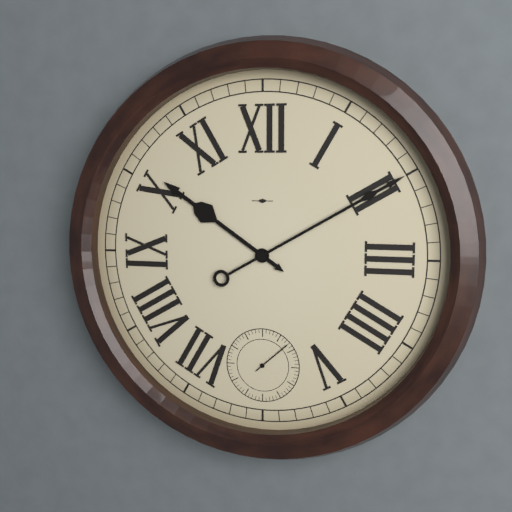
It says 10.10
